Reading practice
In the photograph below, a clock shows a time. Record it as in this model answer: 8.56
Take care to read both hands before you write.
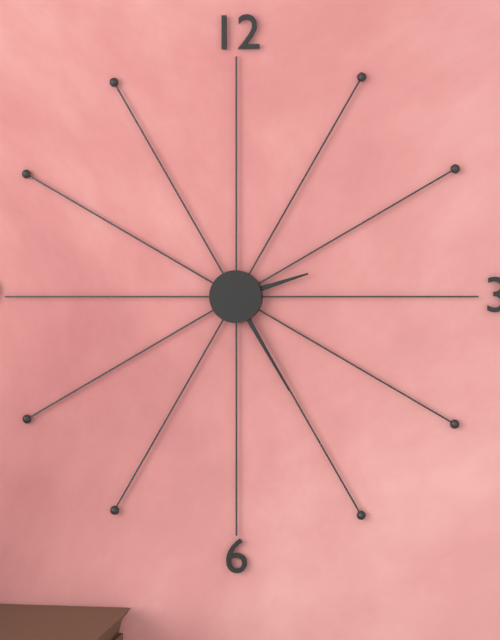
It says 2.25
